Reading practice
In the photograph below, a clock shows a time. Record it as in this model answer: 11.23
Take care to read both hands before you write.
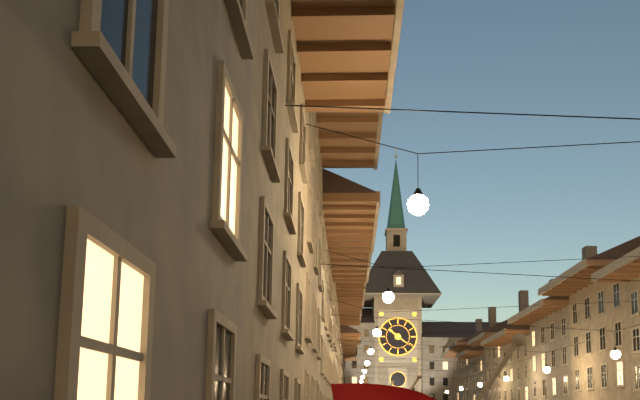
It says 10.21
